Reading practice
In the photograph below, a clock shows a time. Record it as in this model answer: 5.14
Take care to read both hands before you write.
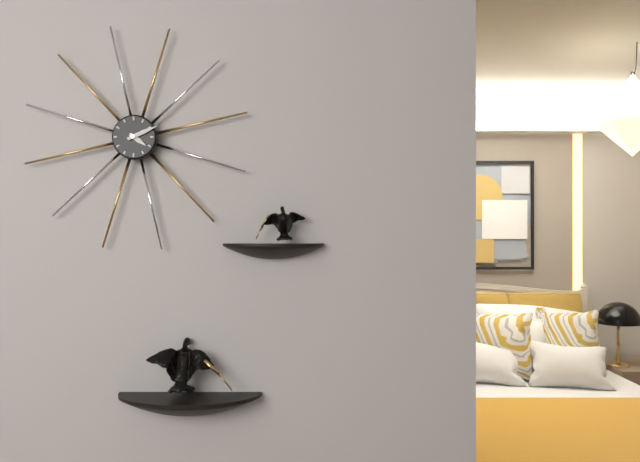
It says 4.11
